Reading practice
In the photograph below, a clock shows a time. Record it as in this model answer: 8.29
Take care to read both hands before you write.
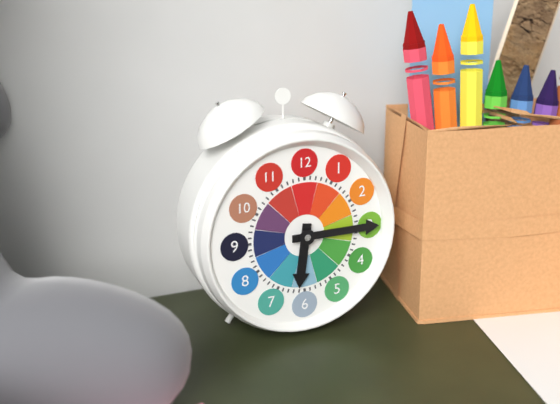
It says 6.15
